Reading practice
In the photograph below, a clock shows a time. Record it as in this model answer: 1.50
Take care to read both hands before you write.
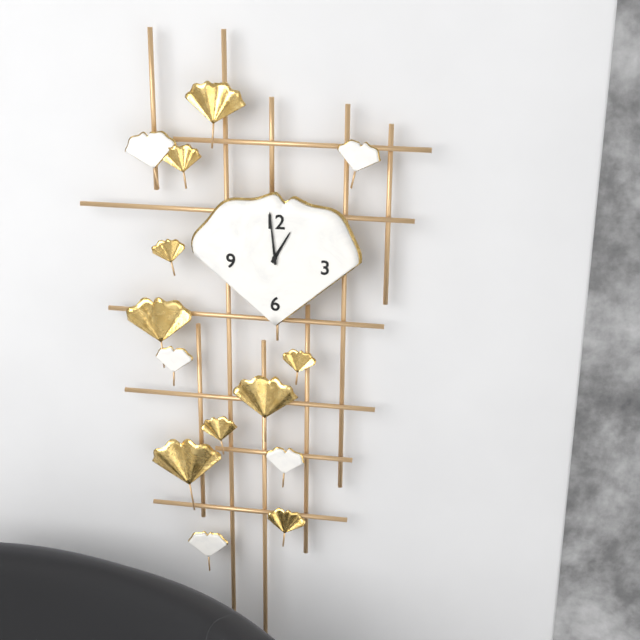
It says 12.59
